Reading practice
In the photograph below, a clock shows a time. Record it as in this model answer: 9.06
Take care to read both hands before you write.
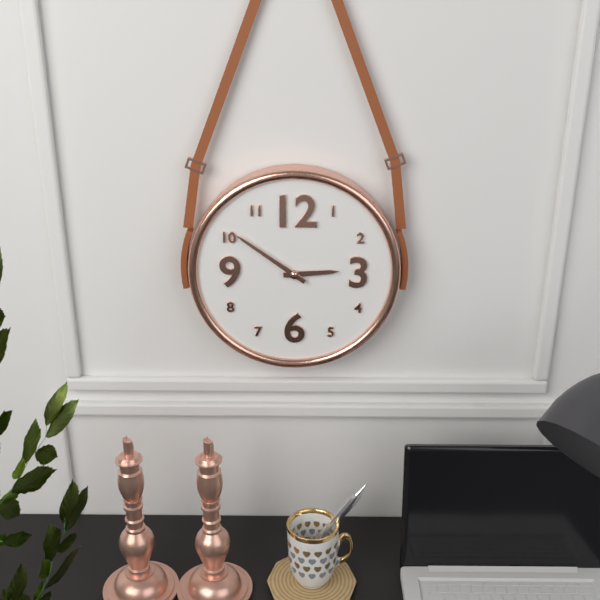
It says 2.51
